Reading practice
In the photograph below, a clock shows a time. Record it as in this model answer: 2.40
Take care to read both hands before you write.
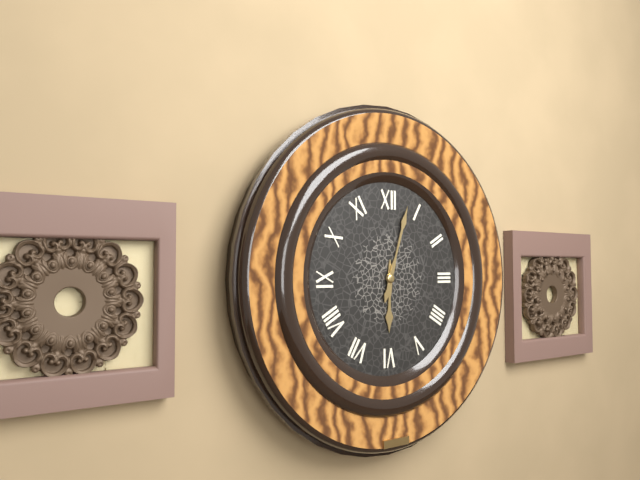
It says 6.03
